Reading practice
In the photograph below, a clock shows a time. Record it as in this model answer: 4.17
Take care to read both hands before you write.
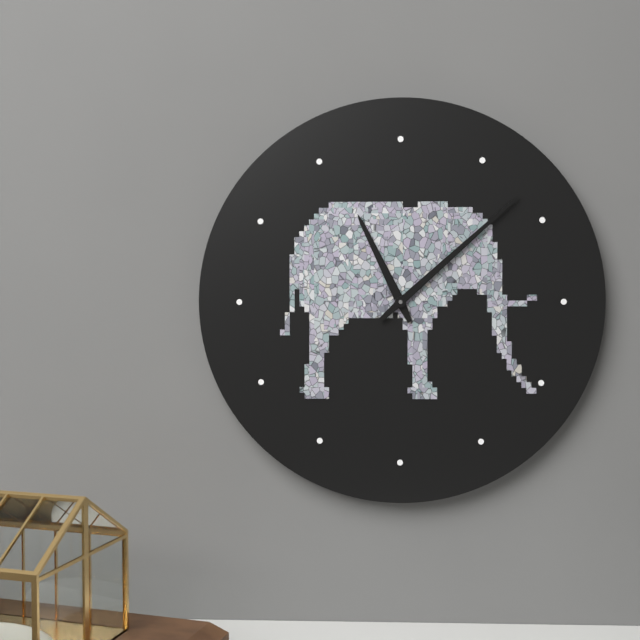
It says 11.08
